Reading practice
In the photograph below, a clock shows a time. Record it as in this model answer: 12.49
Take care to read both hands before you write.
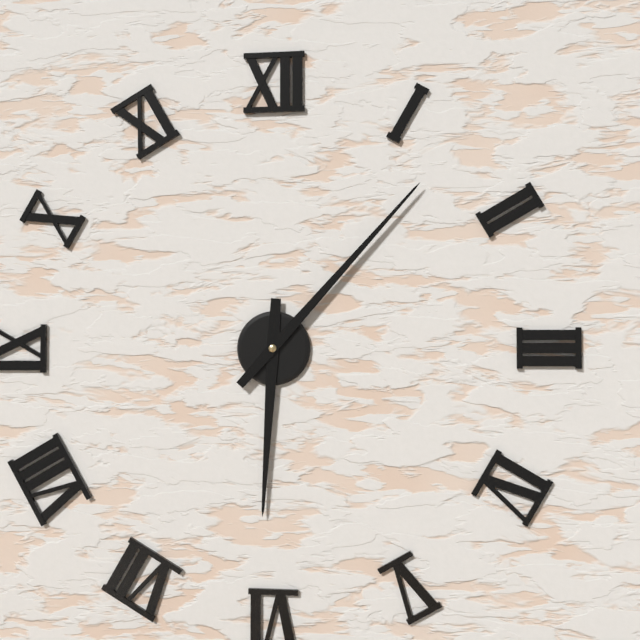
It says 6.07
